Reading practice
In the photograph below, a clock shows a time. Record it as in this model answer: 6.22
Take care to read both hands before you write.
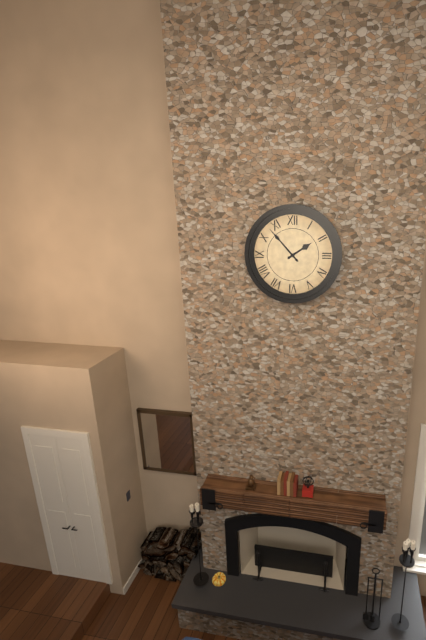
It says 1.53
